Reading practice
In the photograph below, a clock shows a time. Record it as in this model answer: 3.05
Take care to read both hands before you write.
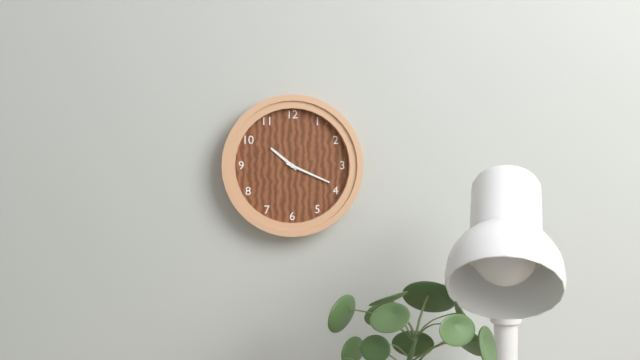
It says 10.19
